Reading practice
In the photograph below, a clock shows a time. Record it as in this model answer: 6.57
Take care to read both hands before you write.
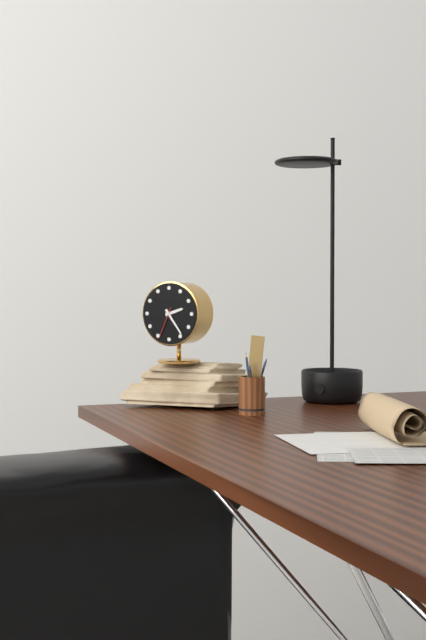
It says 2.24
